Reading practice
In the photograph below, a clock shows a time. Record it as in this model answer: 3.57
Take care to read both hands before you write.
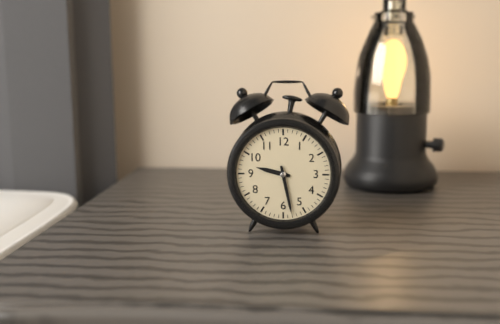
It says 9.28
